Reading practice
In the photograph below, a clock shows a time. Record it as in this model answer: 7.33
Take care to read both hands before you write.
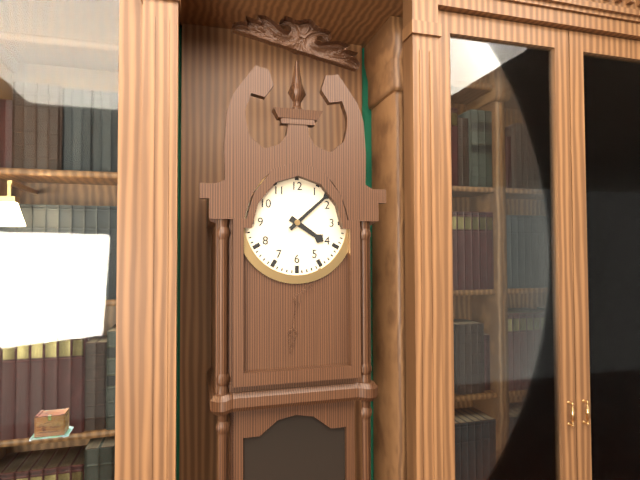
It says 4.08
